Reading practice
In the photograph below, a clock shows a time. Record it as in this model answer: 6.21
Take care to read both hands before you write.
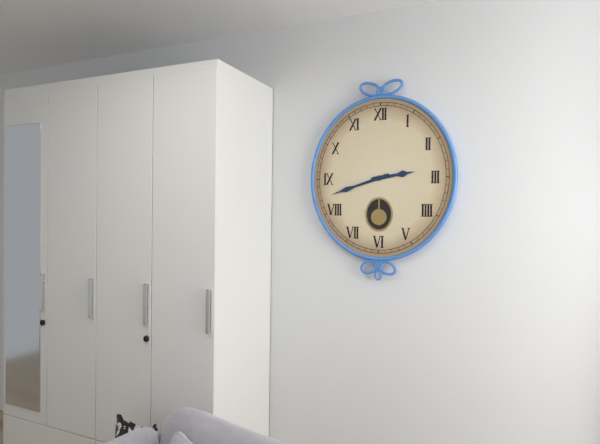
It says 2.42
